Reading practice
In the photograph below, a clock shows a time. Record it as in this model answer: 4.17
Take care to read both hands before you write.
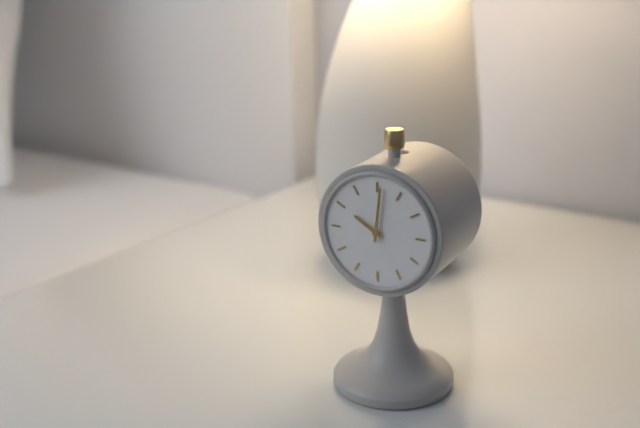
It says 10.01
